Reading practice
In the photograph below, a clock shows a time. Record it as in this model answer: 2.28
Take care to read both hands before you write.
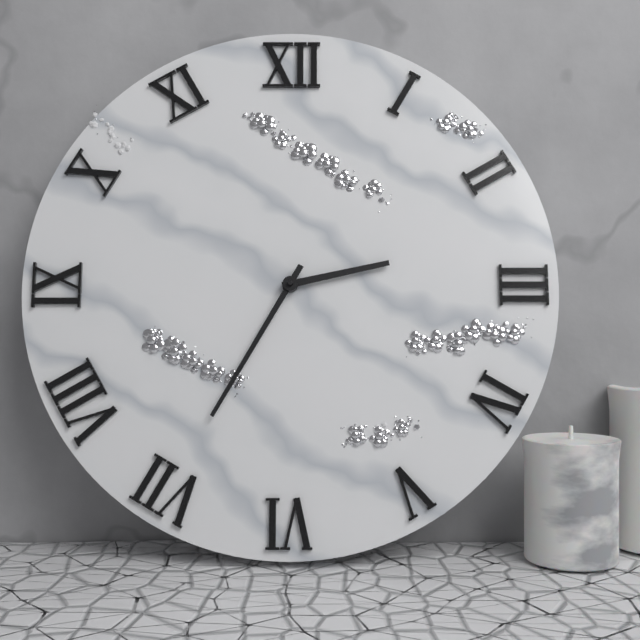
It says 2.35
